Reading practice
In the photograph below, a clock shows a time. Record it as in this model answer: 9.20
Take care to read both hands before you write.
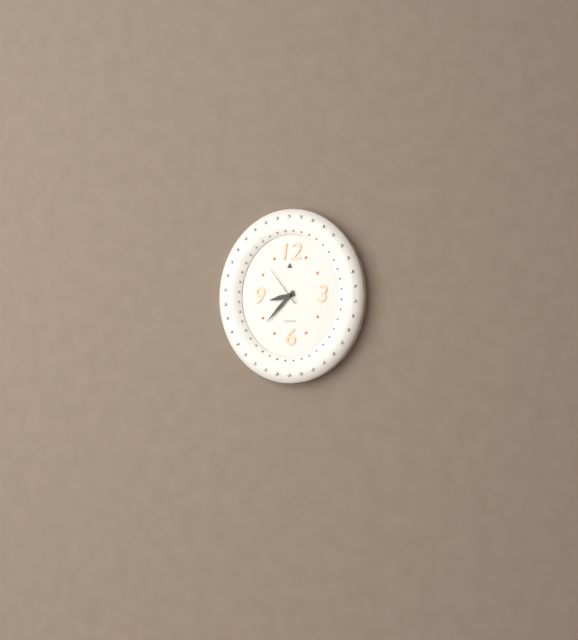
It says 8.37
